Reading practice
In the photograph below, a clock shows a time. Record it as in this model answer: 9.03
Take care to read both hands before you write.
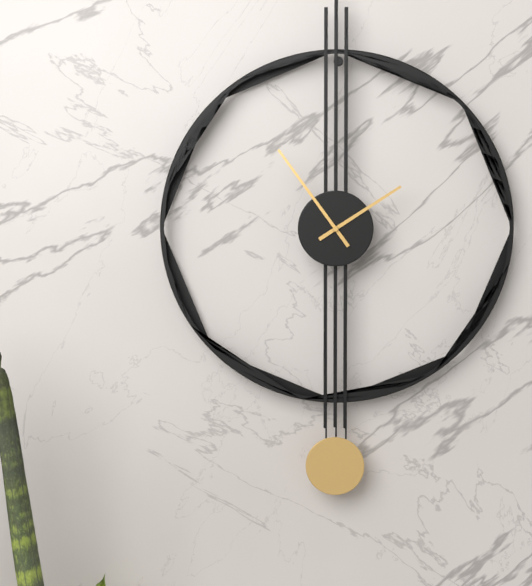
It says 1.54
